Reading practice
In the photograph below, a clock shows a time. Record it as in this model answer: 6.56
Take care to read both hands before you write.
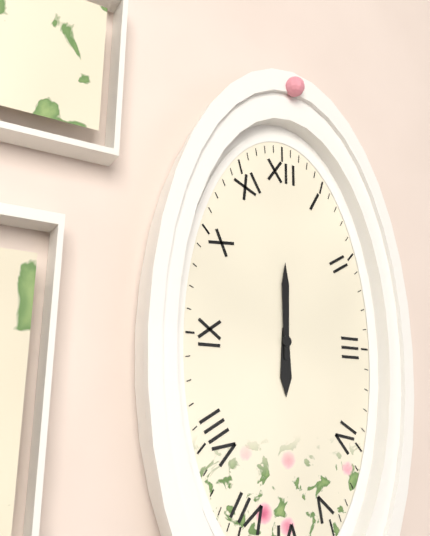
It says 6.00
